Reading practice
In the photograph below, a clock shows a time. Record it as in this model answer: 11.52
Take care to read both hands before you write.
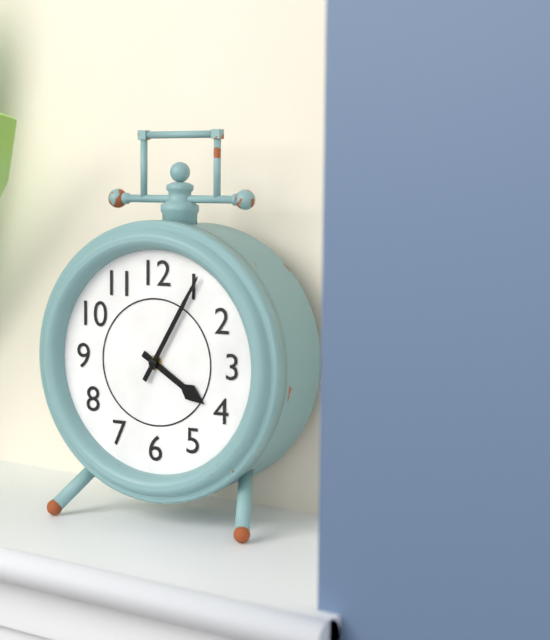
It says 4.05
